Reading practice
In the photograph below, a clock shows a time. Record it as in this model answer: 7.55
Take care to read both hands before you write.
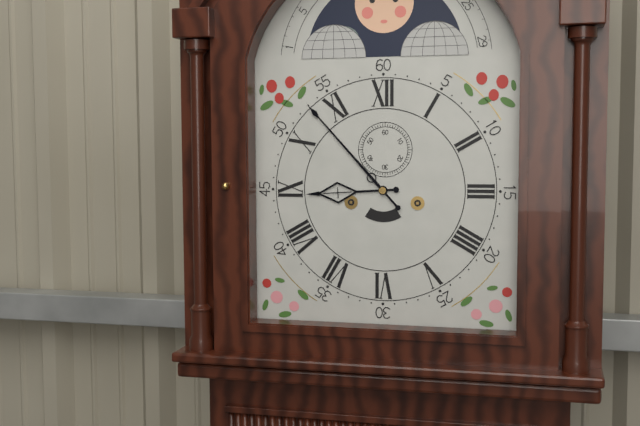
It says 8.53
